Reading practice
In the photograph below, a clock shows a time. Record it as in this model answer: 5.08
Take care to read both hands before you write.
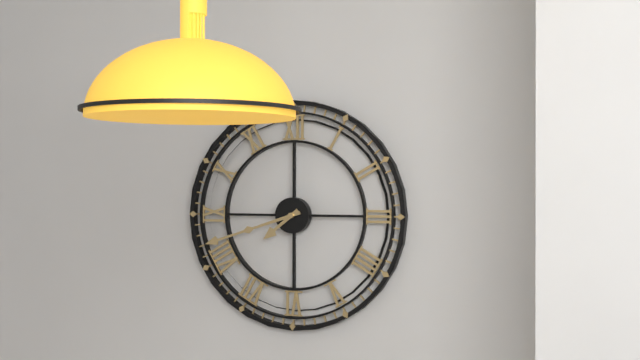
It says 7.42
